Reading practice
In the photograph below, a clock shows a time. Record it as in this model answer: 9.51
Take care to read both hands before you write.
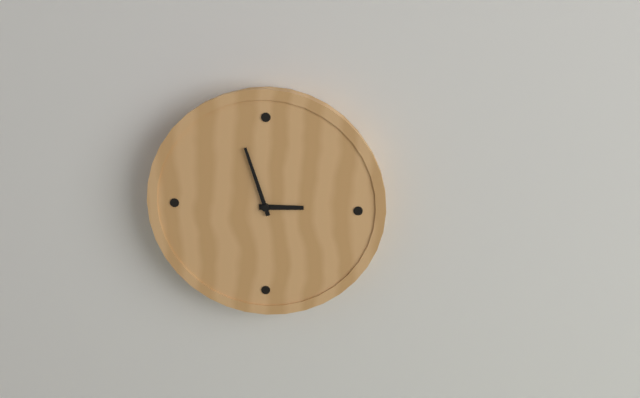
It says 2.57
